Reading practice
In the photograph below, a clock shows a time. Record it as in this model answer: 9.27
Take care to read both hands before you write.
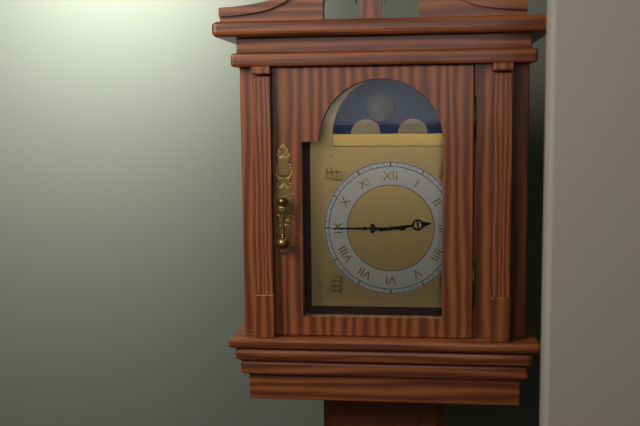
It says 2.45
